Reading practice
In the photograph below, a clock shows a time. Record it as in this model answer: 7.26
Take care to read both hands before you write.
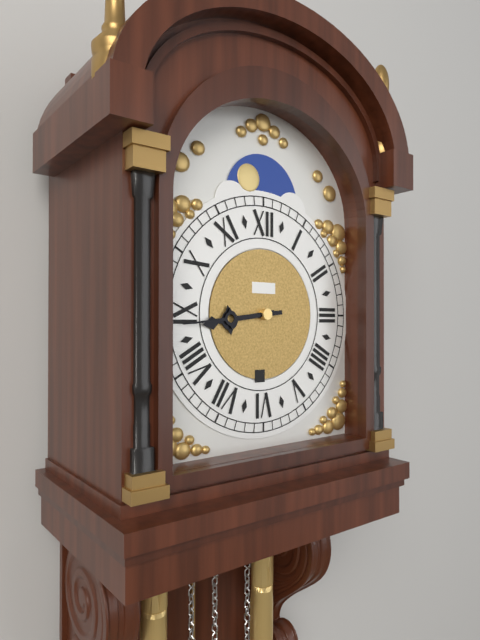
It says 8.44
